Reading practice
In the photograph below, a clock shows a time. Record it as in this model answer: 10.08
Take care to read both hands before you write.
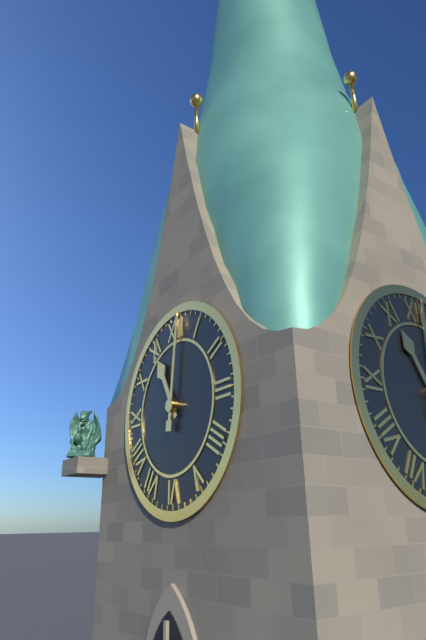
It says 11.01
